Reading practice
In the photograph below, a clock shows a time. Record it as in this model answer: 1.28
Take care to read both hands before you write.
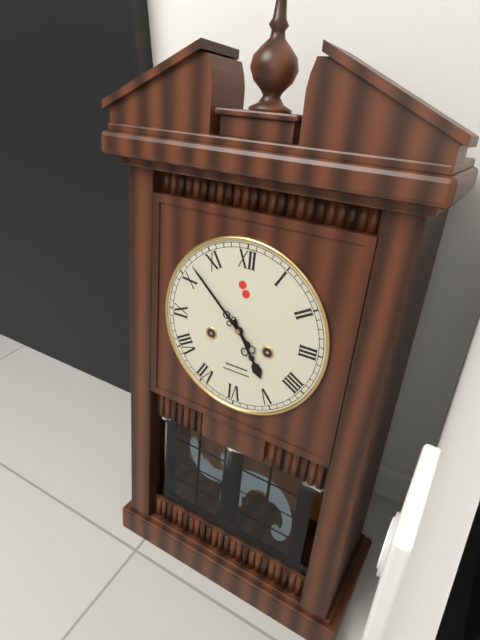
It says 4.52
